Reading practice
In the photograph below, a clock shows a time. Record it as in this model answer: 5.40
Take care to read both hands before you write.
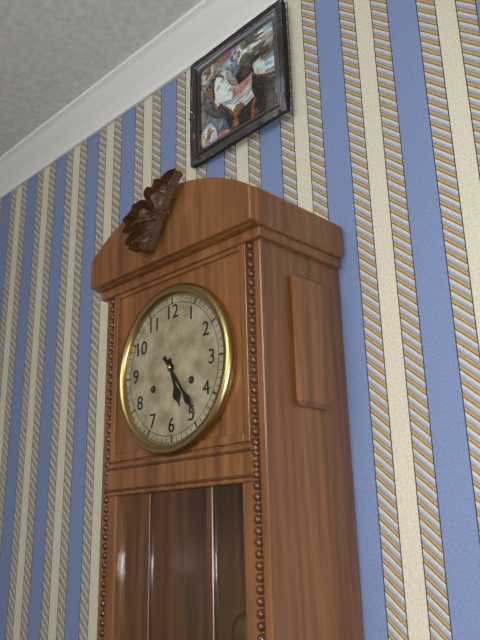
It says 5.24
